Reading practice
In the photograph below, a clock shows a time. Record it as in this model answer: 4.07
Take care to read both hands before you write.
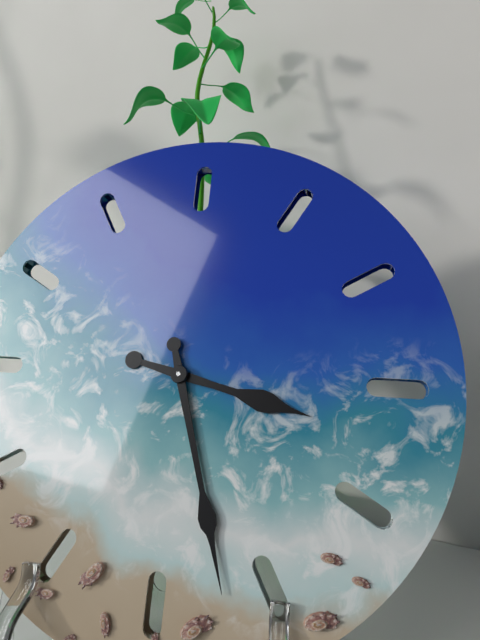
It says 3.27
